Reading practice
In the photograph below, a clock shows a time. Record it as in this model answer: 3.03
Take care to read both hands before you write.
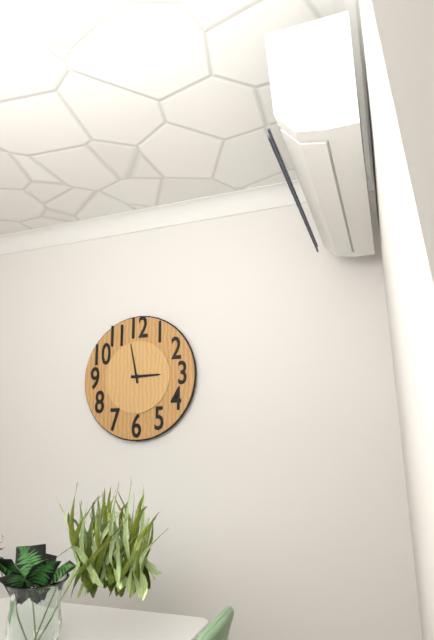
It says 2.58
